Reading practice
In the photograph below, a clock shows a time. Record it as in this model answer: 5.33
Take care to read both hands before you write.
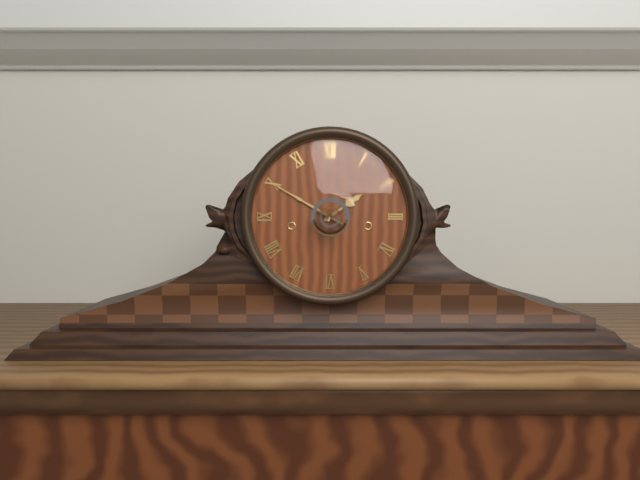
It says 1.50
